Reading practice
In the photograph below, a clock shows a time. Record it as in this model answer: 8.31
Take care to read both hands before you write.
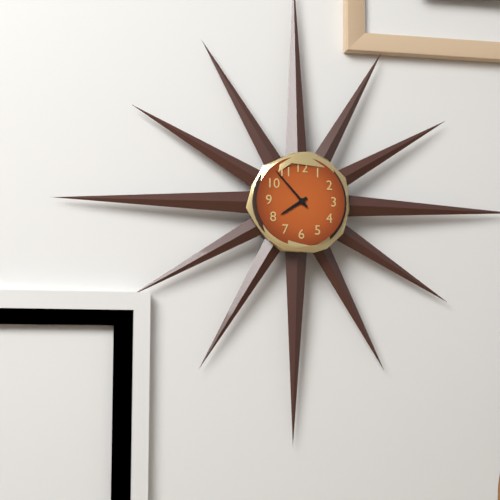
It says 7.53
